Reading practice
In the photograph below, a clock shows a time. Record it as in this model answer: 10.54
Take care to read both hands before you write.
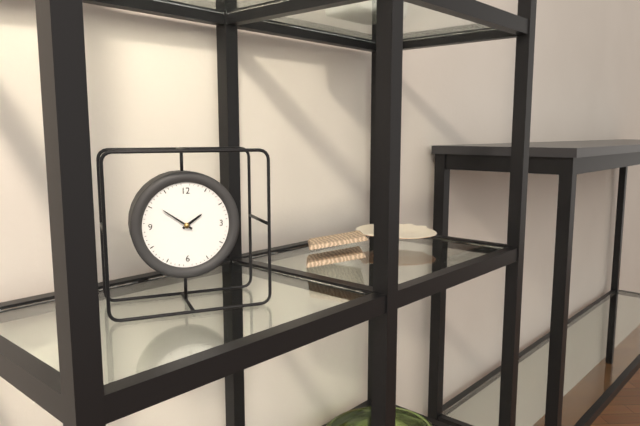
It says 1.51
